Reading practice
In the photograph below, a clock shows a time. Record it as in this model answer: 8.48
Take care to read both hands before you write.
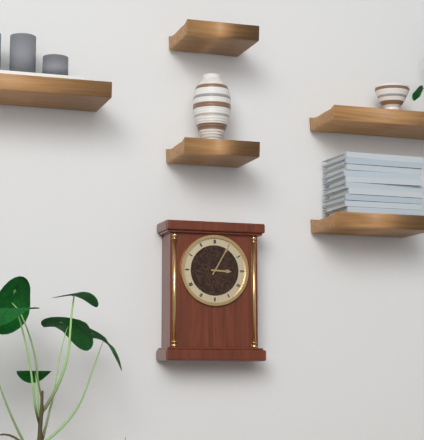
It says 3.05
